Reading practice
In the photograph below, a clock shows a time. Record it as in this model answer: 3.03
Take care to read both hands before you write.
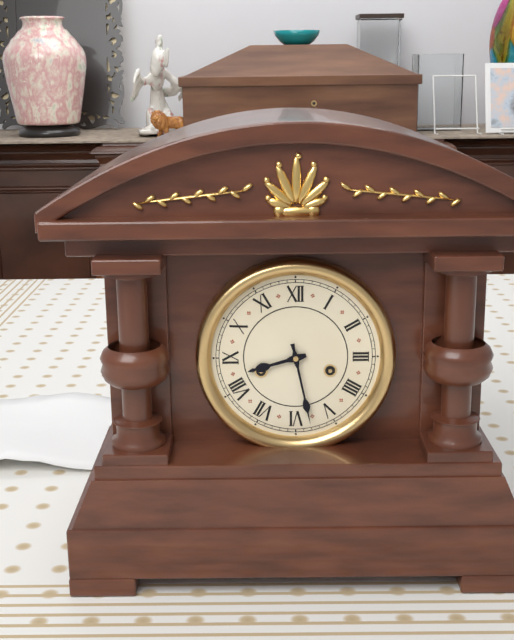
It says 8.28
